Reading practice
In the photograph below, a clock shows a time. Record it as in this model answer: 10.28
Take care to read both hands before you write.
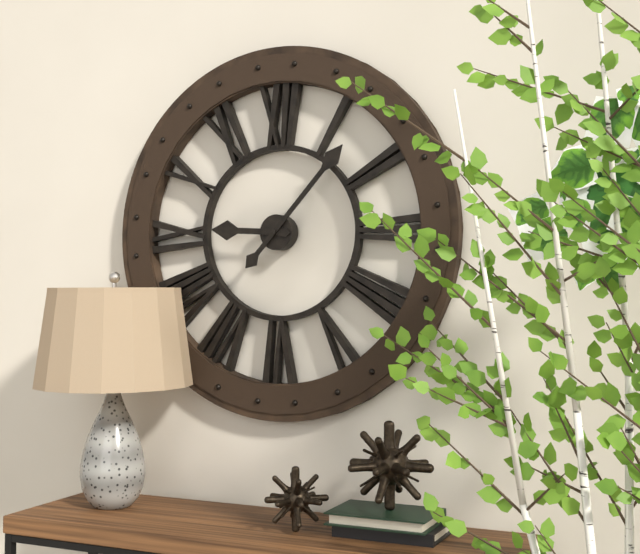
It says 9.07
